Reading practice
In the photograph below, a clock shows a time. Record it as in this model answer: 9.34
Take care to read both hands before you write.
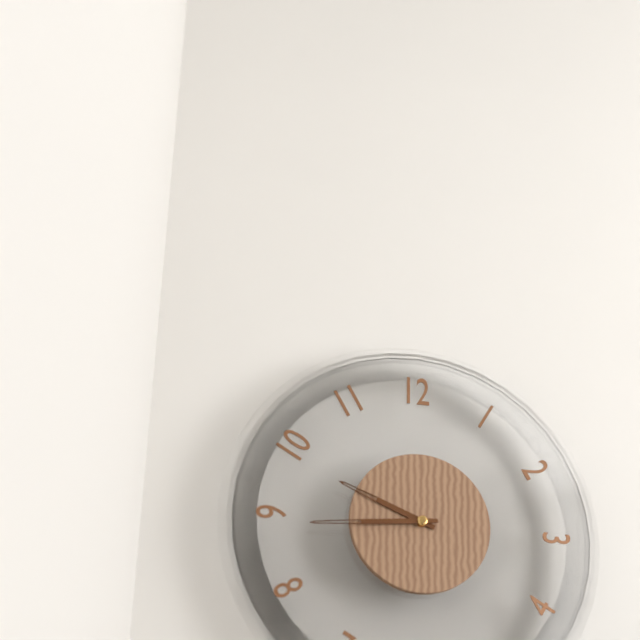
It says 9.44
